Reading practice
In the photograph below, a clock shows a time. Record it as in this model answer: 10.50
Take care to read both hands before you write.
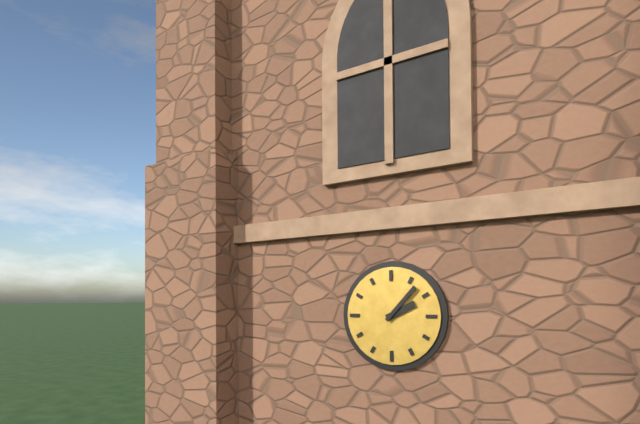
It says 2.07
